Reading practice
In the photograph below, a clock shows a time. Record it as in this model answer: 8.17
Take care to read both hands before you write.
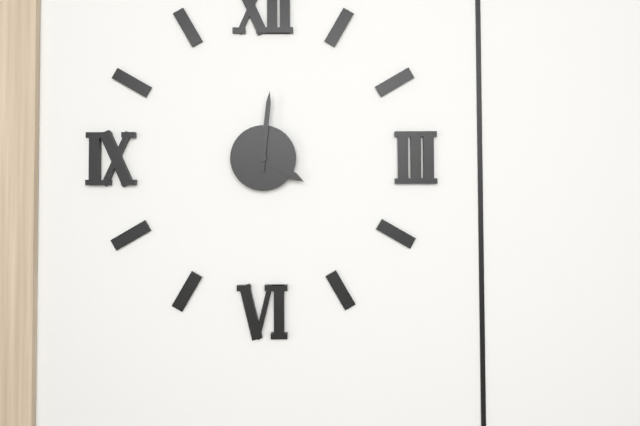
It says 4.01
